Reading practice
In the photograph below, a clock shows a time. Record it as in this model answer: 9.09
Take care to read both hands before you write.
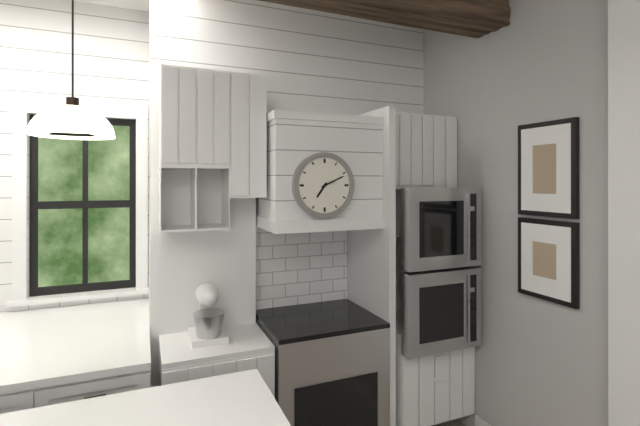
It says 7.11
